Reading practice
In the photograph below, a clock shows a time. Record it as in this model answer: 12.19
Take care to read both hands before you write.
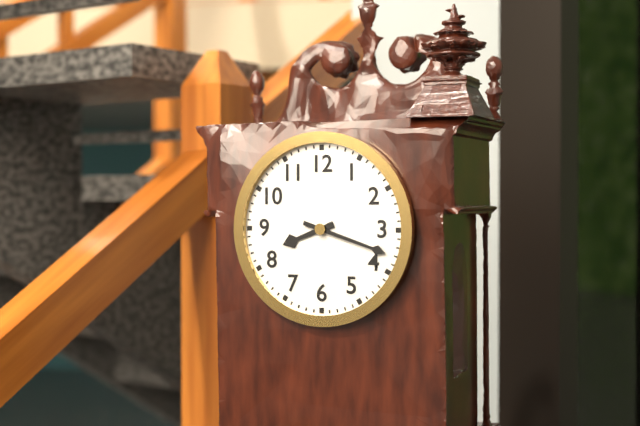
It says 8.18
